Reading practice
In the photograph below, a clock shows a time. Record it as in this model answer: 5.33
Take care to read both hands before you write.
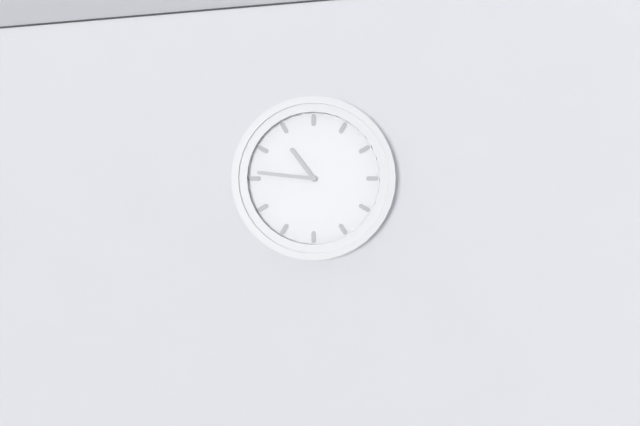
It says 10.46
